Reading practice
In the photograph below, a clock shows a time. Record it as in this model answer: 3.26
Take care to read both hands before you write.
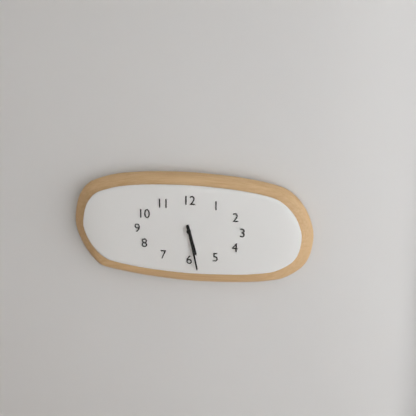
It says 5.28
